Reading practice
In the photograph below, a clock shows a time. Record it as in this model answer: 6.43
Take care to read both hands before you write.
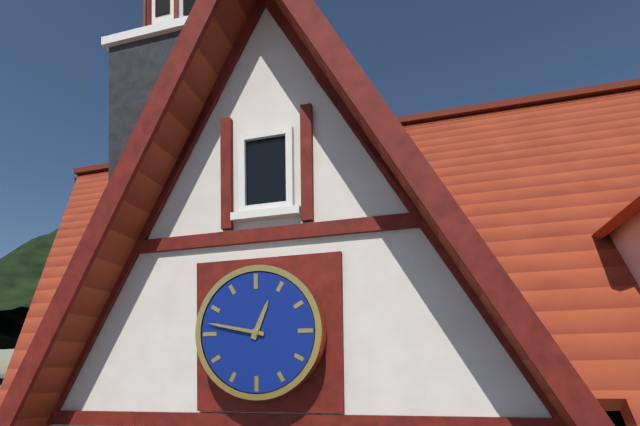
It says 12.47
